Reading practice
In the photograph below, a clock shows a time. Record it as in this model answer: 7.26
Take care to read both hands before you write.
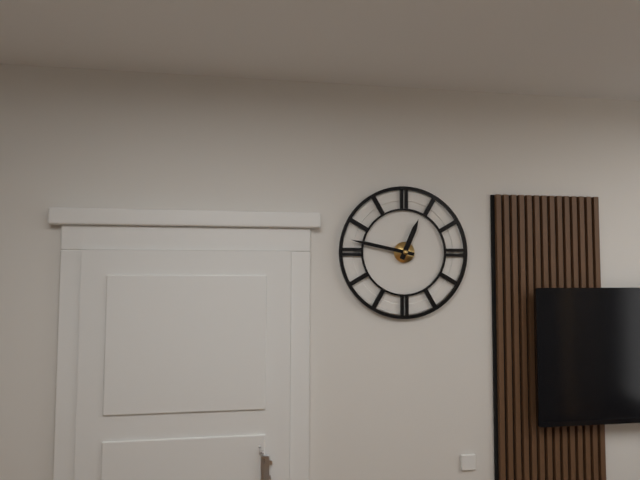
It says 12.47
